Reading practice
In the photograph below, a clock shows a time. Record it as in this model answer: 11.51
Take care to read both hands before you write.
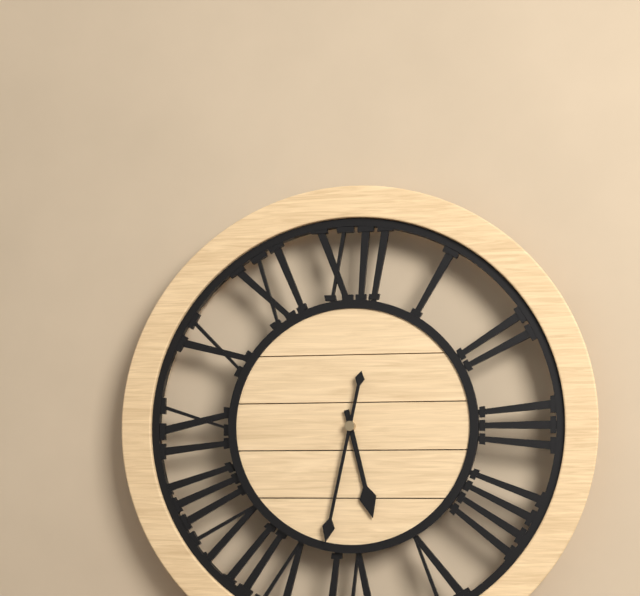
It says 5.32
